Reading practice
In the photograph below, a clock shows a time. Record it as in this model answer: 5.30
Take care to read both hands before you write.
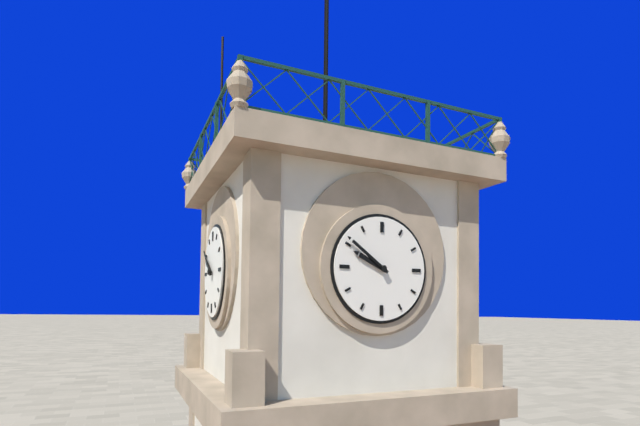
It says 9.51
